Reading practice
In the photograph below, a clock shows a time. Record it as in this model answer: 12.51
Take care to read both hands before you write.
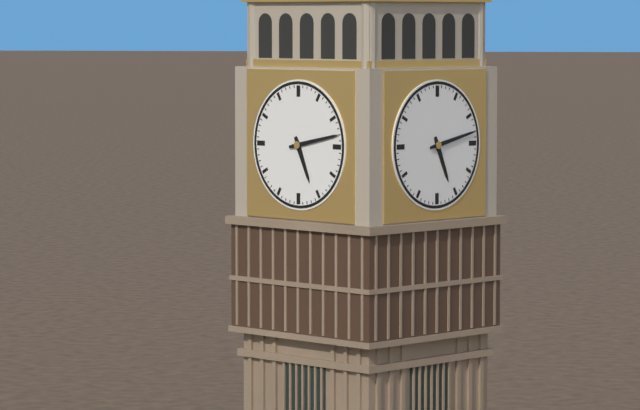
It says 5.13
